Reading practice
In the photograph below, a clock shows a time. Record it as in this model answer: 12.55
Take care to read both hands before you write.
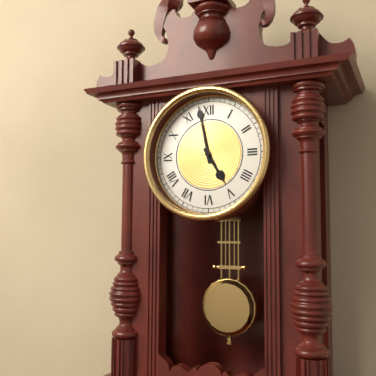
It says 4.58
